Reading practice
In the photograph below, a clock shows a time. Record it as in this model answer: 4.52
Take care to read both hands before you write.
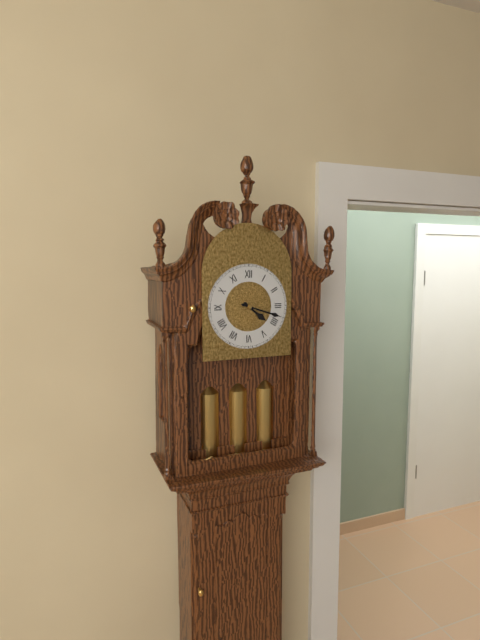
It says 4.18
